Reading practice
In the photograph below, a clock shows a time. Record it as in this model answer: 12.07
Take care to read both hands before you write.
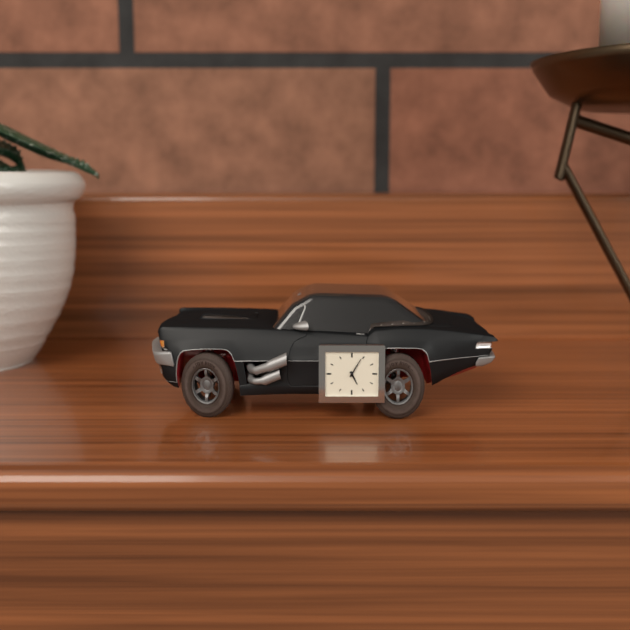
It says 5.05
